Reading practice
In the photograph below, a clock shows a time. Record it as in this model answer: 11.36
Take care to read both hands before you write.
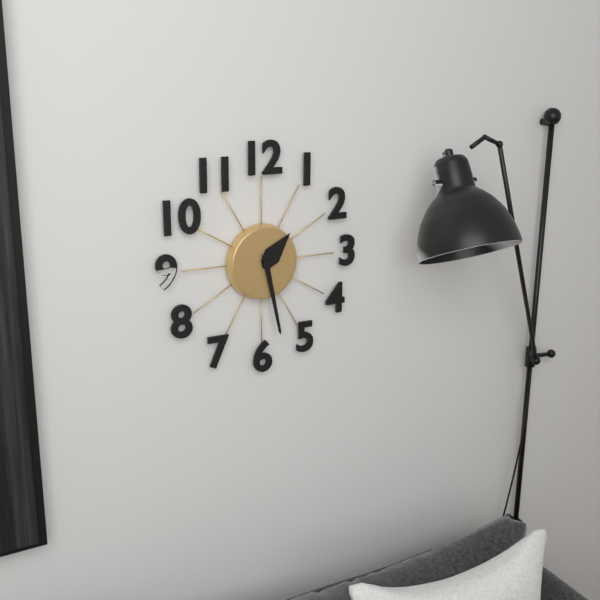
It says 1.28
